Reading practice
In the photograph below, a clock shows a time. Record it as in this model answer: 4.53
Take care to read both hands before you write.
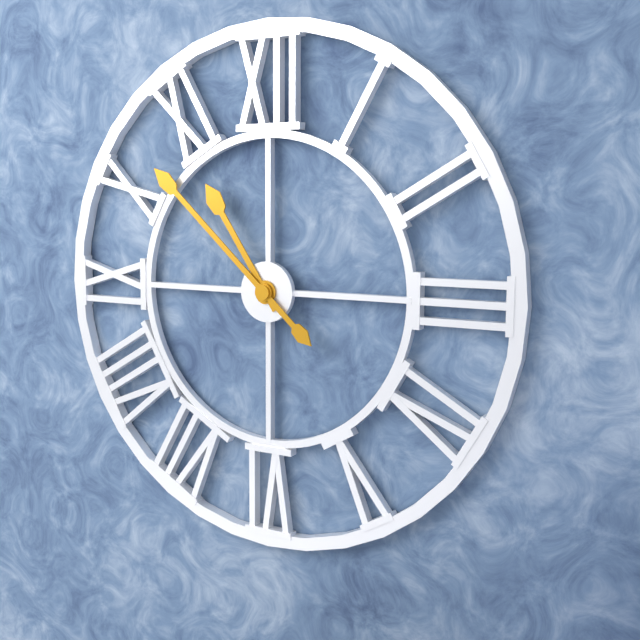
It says 10.52
